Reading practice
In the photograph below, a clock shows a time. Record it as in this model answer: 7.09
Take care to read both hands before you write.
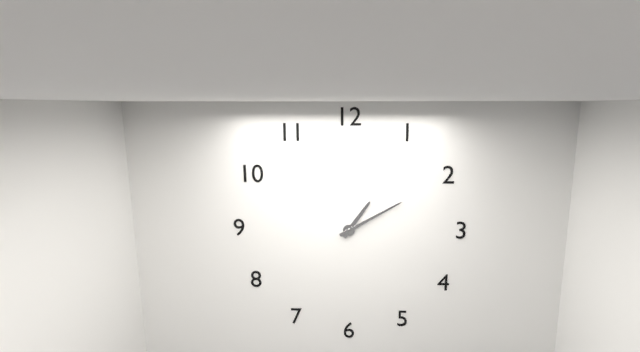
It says 1.10
